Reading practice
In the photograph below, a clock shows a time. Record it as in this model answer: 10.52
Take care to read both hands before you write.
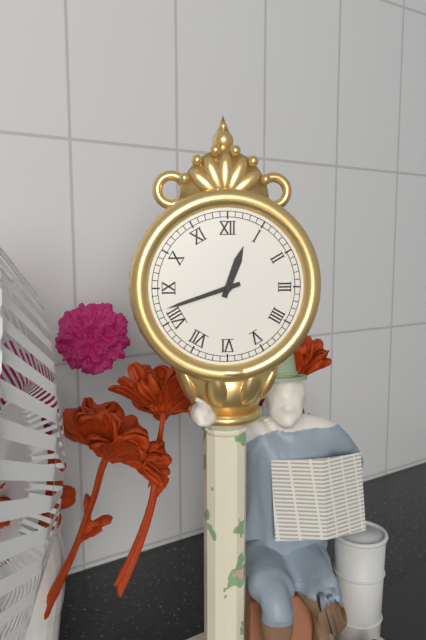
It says 12.42
